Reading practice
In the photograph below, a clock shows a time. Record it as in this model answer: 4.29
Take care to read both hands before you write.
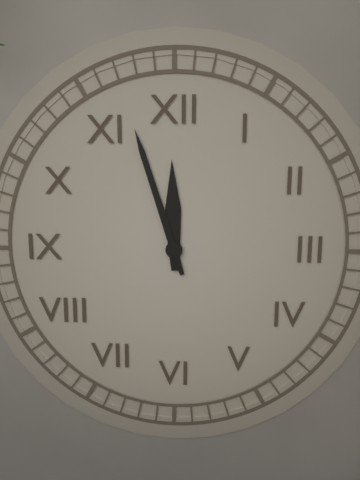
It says 11.57
